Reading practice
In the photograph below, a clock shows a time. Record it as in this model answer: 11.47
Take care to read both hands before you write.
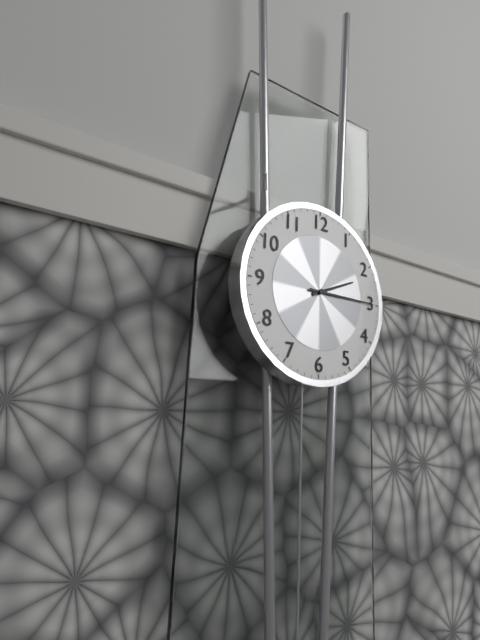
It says 2.15
